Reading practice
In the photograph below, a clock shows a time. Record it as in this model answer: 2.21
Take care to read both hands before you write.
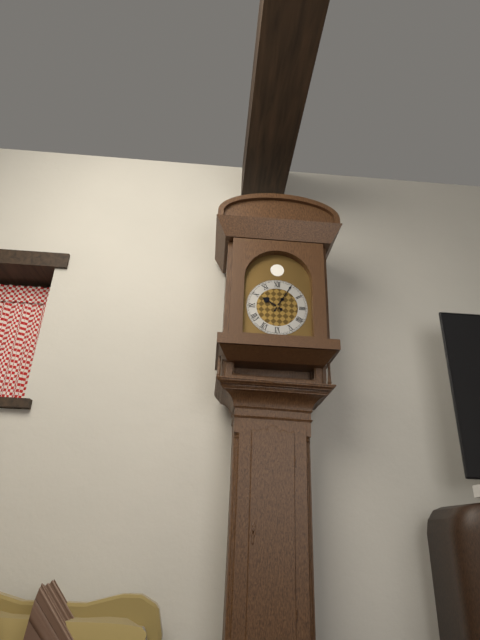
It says 10.05
